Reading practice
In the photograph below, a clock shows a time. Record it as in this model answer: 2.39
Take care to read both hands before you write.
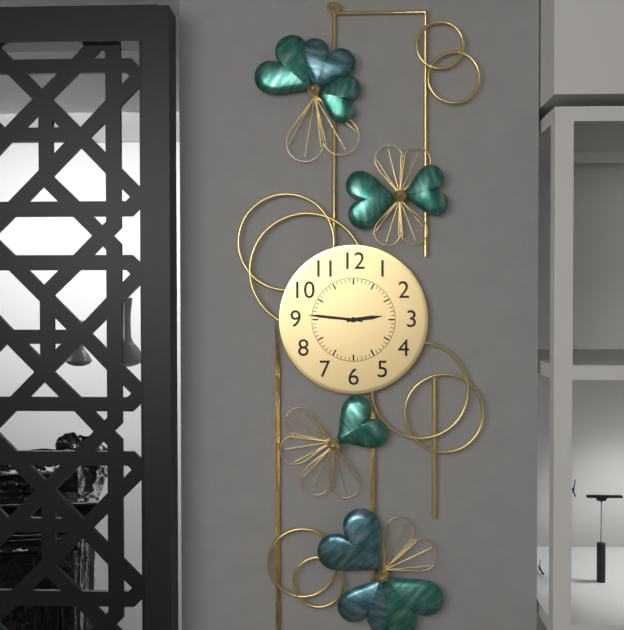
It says 2.46
